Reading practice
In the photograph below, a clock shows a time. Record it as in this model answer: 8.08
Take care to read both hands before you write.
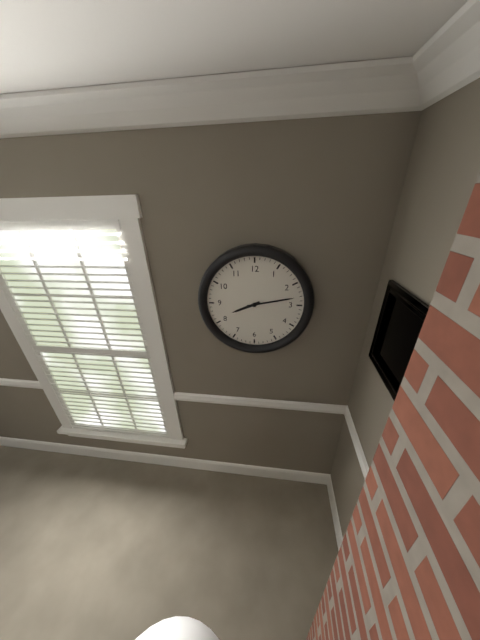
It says 8.13
